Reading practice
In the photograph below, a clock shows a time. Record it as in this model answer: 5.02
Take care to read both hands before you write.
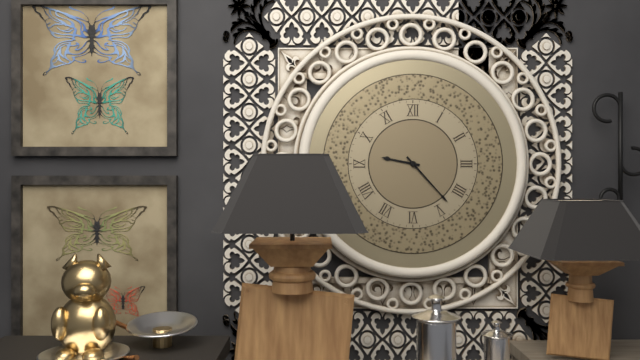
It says 9.23
